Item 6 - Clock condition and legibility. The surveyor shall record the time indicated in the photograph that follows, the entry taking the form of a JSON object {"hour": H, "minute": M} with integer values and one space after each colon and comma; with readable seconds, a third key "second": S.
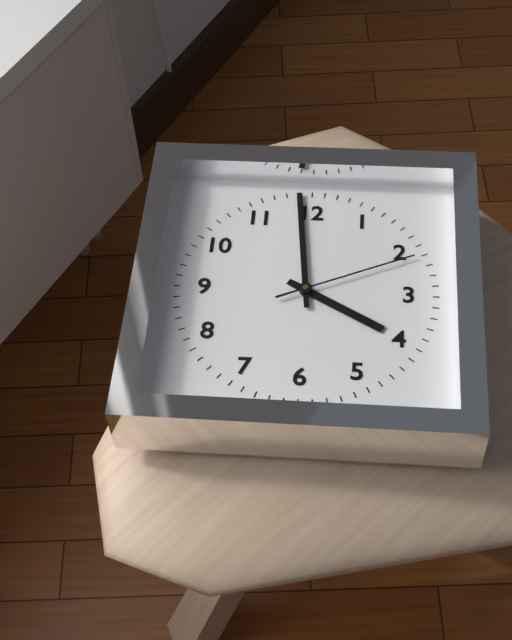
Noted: {"hour": 3, "minute": 59, "second": 11}
